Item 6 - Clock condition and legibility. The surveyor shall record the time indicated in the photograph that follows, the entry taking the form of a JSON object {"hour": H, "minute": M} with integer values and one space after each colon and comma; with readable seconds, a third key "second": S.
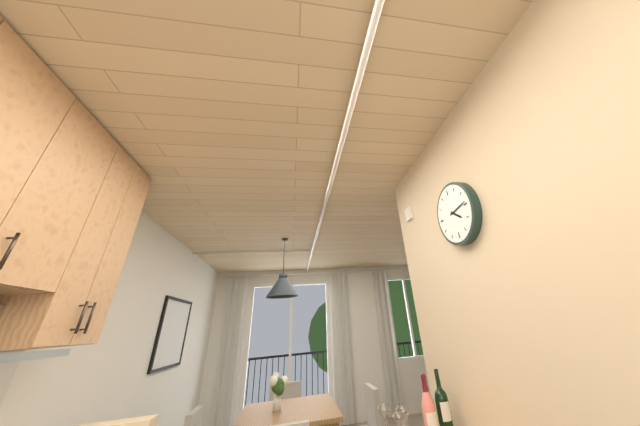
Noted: {"hour": 4, "minute": 14}
